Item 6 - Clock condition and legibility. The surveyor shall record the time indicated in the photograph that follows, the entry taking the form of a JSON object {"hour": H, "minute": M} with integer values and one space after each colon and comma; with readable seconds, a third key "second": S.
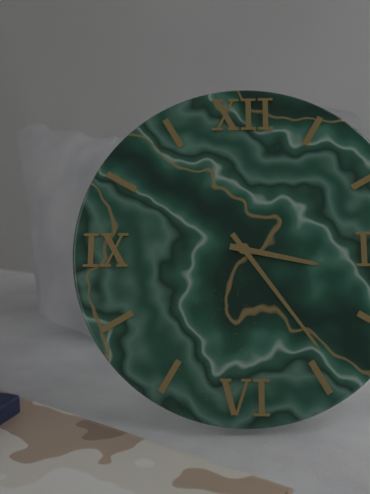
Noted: {"hour": 3, "minute": 24}
